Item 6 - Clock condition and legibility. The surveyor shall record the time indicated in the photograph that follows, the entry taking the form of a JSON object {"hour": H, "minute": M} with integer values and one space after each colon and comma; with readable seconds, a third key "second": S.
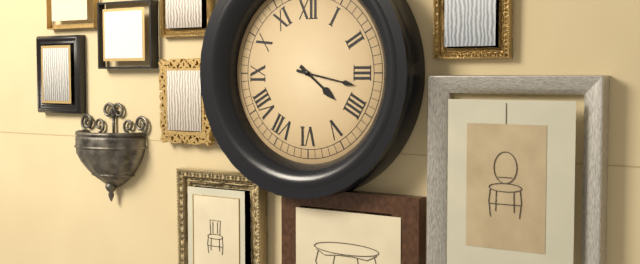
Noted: {"hour": 4, "minute": 17}
